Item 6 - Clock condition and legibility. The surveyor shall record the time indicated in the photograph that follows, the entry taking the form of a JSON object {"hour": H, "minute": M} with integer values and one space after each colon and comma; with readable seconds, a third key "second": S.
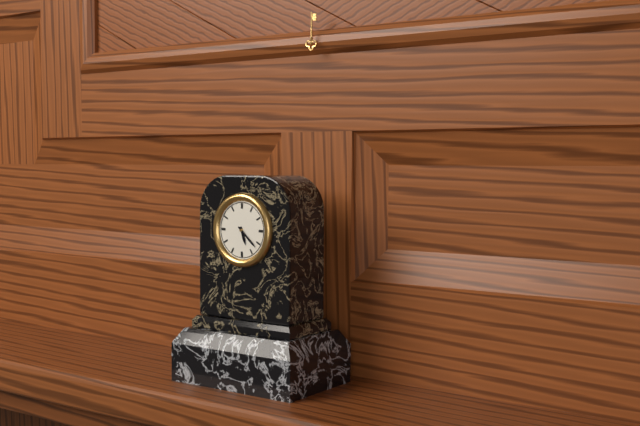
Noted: {"hour": 5, "minute": 22}
